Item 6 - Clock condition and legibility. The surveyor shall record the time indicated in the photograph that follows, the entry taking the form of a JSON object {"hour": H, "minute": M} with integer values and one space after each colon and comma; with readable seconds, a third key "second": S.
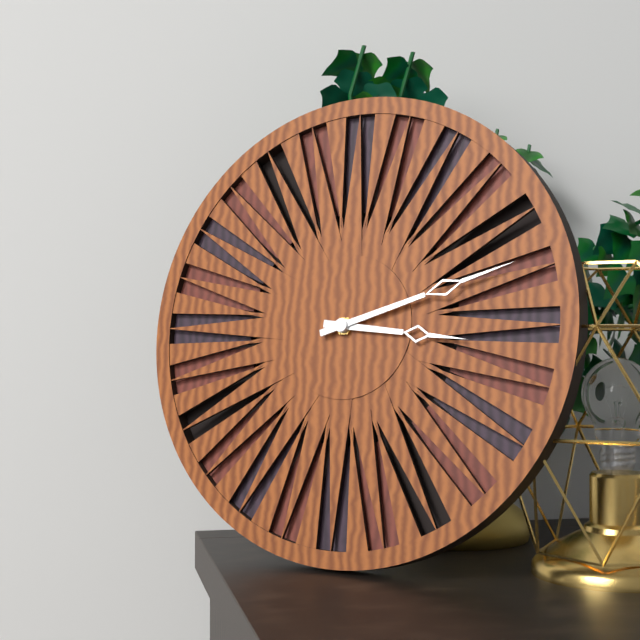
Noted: {"hour": 3, "minute": 12}
